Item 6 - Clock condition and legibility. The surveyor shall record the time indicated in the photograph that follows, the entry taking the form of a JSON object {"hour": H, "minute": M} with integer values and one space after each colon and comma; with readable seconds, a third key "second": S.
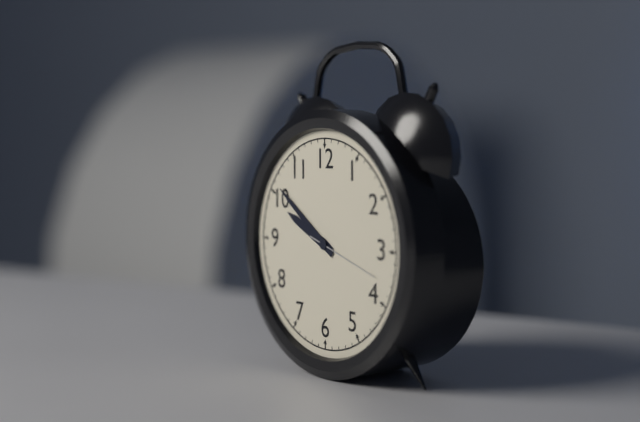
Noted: {"hour": 9, "minute": 51}
